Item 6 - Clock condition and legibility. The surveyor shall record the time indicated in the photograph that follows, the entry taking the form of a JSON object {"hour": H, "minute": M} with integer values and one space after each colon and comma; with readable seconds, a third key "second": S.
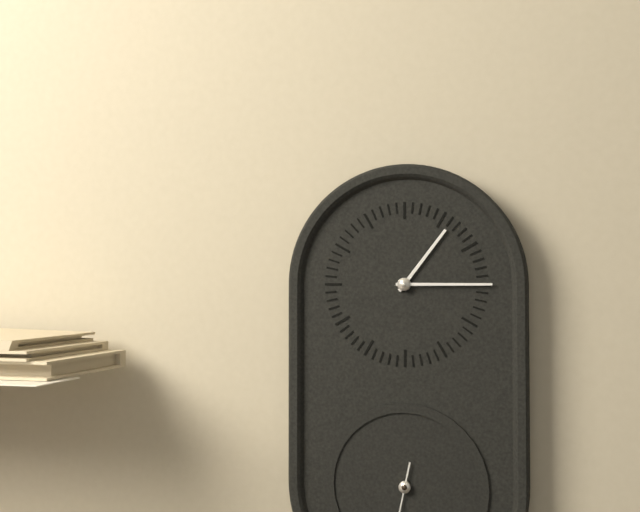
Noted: {"hour": 1, "minute": 15}
